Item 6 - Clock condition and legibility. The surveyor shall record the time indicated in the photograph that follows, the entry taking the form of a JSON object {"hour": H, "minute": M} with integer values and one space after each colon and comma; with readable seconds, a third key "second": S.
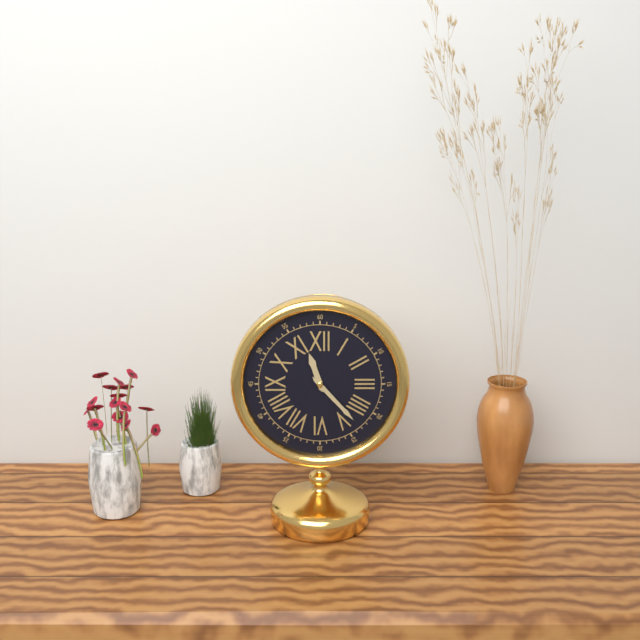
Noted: {"hour": 11, "minute": 23}
